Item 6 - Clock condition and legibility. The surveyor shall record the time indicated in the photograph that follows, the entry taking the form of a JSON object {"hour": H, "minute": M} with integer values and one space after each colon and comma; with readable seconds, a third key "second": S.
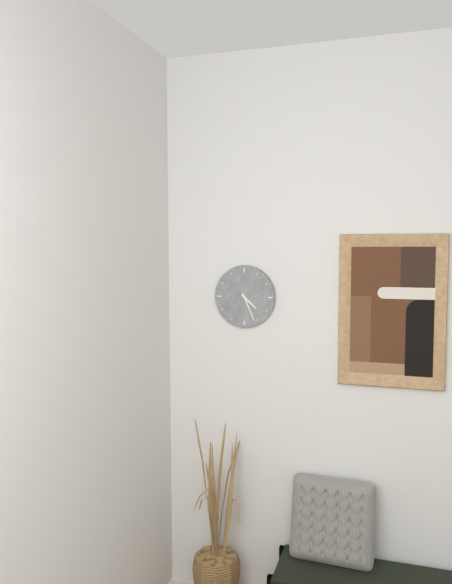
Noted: {"hour": 4, "minute": 26}
